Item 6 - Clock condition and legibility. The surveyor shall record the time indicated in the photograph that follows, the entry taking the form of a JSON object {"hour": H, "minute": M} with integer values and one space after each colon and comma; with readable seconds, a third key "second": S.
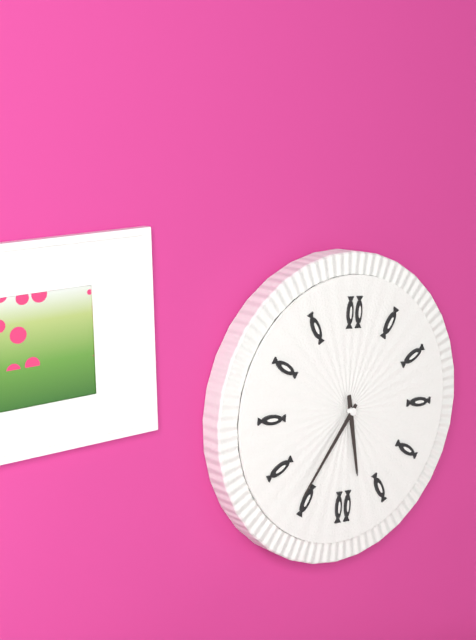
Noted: {"hour": 5, "minute": 36}
